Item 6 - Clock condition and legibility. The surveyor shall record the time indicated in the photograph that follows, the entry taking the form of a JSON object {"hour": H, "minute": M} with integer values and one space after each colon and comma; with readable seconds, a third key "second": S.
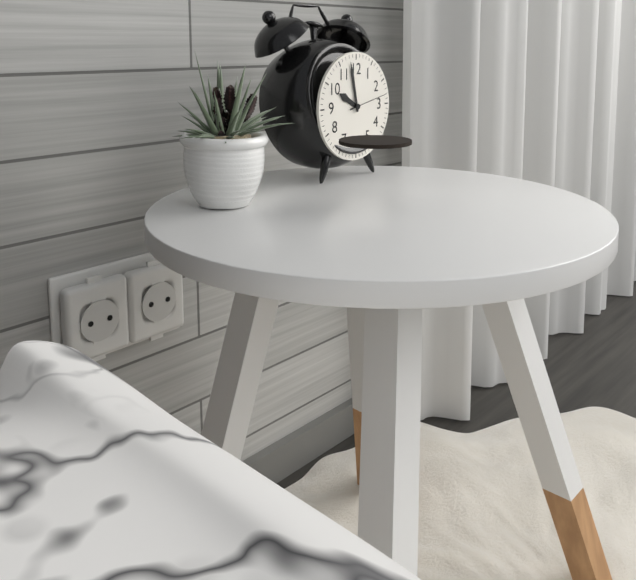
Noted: {"hour": 9, "minute": 58}
